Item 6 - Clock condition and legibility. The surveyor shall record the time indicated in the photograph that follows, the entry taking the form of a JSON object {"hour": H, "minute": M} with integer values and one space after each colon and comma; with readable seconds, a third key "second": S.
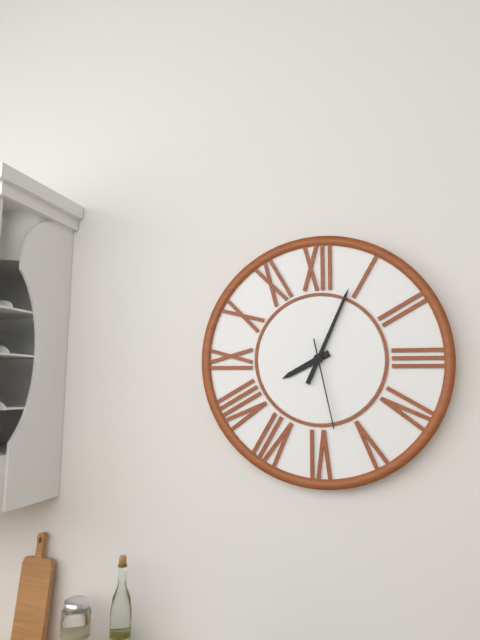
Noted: {"hour": 8, "minute": 4, "second": 28}
